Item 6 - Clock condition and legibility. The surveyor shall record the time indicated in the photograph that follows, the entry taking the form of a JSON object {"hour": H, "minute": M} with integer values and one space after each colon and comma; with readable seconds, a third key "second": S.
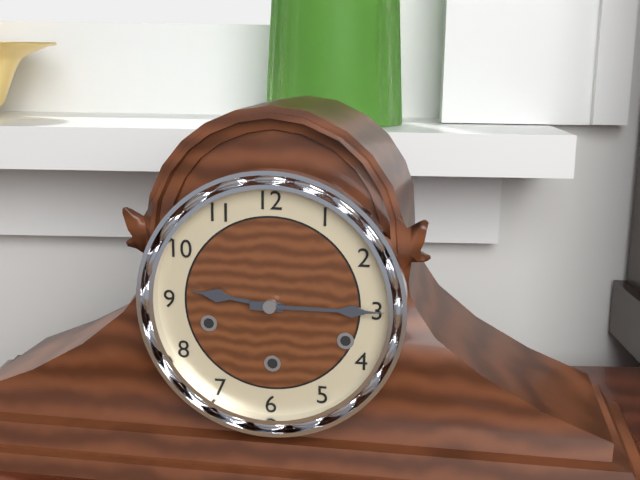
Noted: {"hour": 9, "minute": 15}
